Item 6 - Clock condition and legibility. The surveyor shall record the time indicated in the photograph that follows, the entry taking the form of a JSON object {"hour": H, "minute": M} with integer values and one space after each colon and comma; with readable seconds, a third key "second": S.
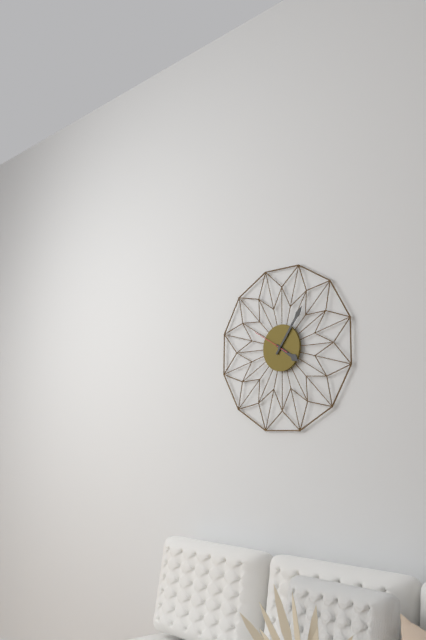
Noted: {"hour": 4, "minute": 6}
